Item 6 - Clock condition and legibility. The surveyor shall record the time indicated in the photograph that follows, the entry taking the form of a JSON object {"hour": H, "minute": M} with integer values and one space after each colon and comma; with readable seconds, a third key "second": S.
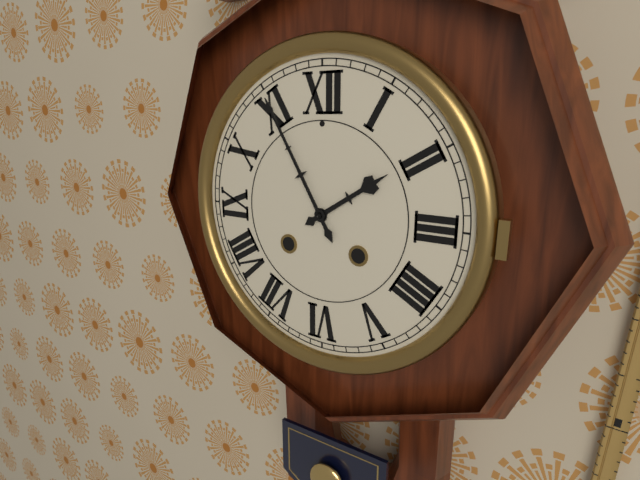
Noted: {"hour": 1, "minute": 55}
